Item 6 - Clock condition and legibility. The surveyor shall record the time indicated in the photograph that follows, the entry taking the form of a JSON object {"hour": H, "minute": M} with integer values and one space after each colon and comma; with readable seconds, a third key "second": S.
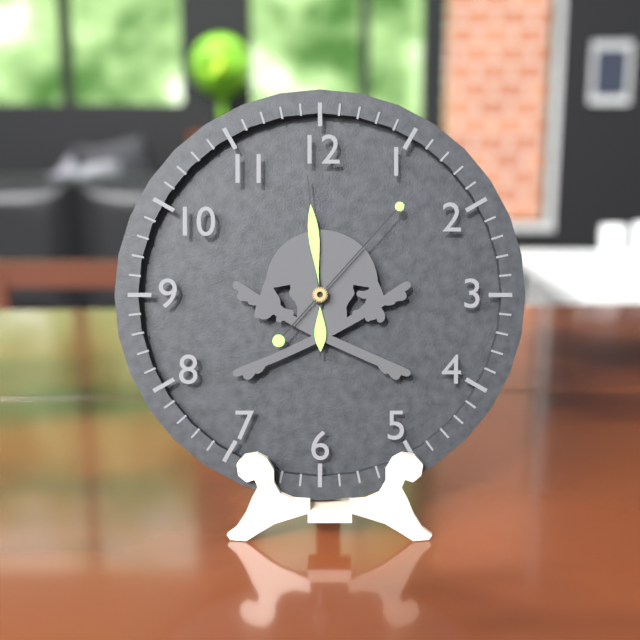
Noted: {"hour": 5, "minute": 59, "second": 7}
